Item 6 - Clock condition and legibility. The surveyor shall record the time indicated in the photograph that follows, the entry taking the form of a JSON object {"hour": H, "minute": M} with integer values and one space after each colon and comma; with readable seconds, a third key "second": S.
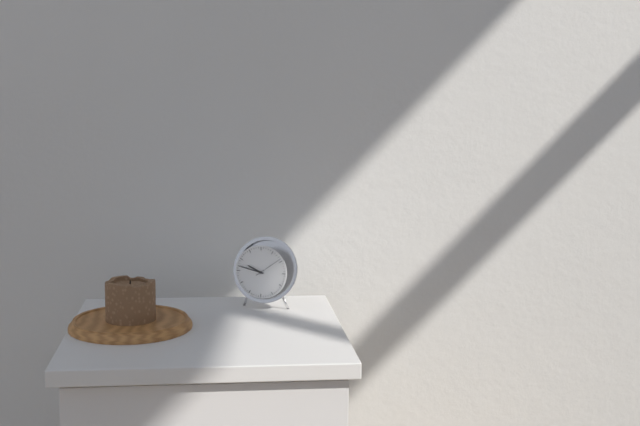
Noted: {"hour": 9, "minute": 47}
